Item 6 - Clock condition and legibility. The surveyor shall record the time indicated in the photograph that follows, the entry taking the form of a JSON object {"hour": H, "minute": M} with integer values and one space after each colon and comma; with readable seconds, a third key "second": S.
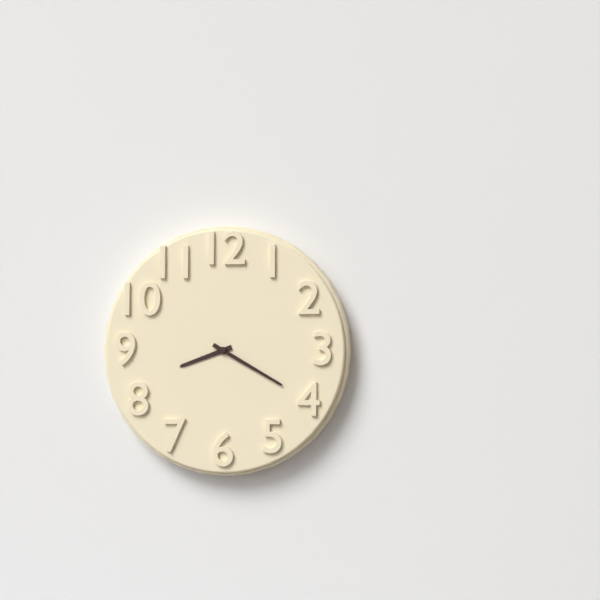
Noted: {"hour": 8, "minute": 20}
